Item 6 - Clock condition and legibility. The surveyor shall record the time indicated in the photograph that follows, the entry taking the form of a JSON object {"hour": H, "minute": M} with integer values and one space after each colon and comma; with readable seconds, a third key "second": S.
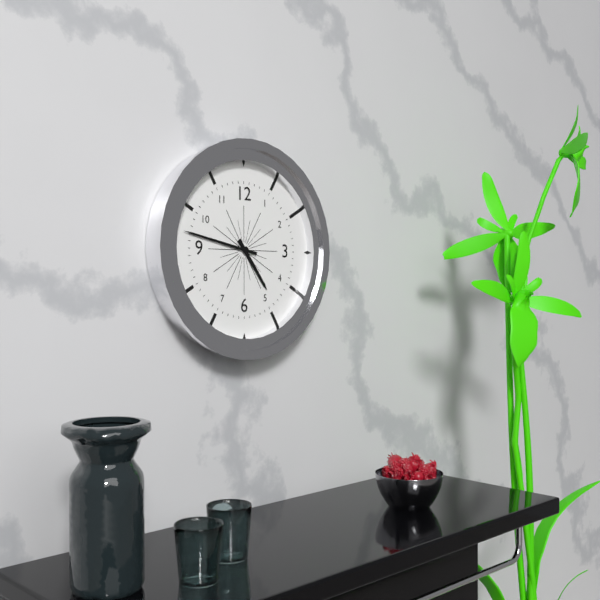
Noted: {"hour": 4, "minute": 47}
